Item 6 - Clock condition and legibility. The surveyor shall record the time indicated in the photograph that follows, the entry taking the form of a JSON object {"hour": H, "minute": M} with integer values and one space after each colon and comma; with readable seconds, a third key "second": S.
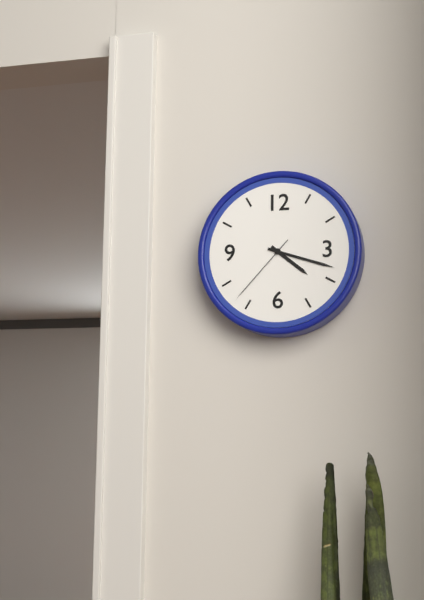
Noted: {"hour": 4, "minute": 18, "second": 37}
